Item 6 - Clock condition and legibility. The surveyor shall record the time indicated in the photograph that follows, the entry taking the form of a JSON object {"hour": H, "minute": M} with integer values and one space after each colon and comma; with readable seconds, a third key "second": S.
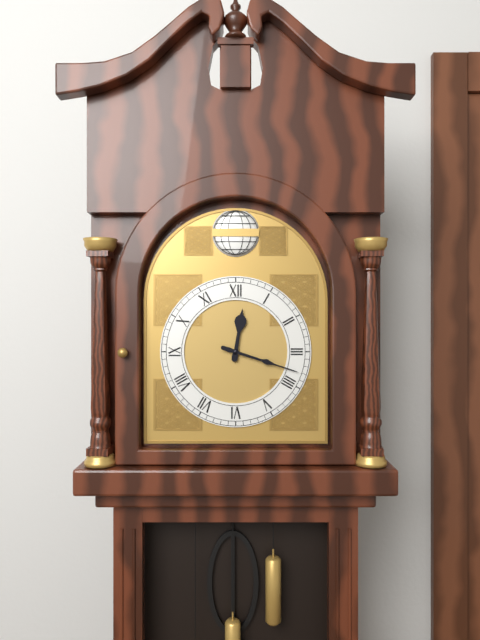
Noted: {"hour": 12, "minute": 18}
